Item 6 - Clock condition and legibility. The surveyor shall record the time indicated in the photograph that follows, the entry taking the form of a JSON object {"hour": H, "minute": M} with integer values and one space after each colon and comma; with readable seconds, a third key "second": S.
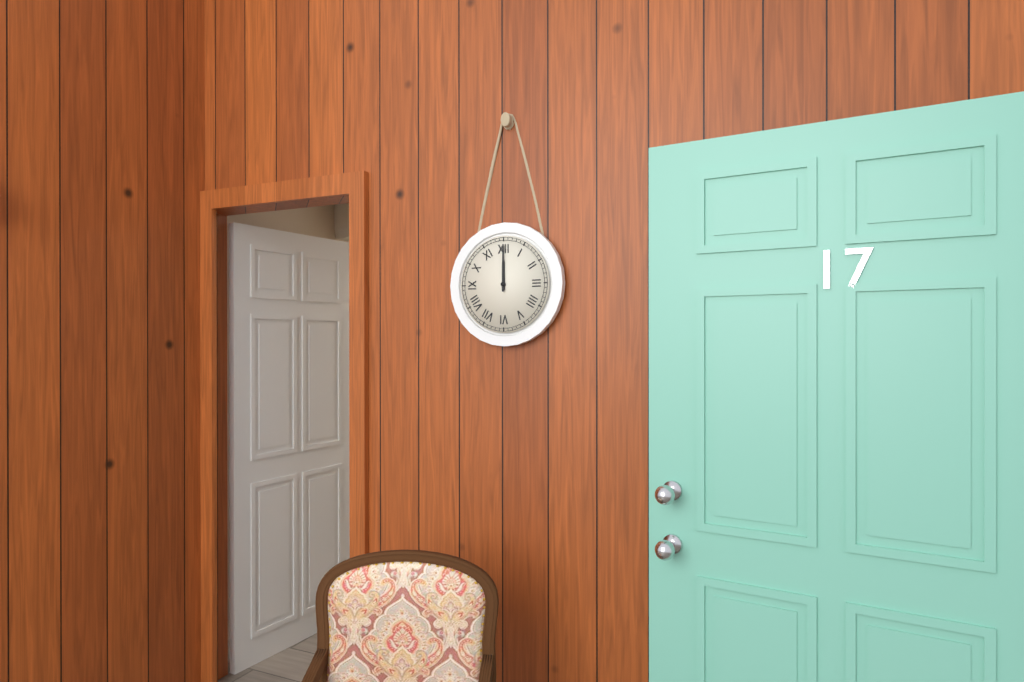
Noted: {"hour": 12, "minute": 0}
